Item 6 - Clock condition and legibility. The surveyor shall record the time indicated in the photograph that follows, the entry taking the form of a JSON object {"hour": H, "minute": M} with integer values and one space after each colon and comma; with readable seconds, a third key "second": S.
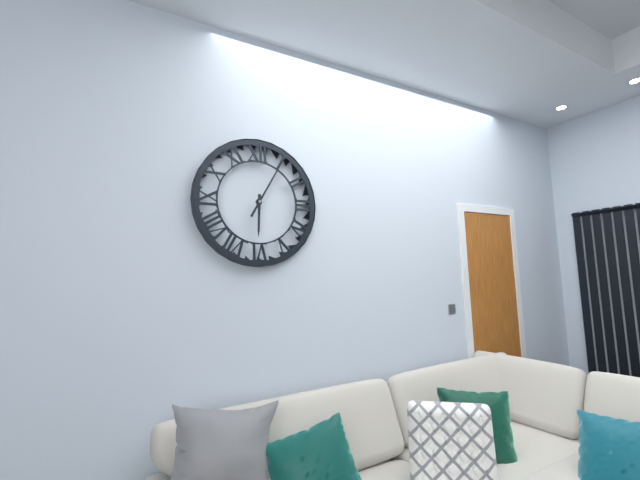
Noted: {"hour": 6, "minute": 5}
